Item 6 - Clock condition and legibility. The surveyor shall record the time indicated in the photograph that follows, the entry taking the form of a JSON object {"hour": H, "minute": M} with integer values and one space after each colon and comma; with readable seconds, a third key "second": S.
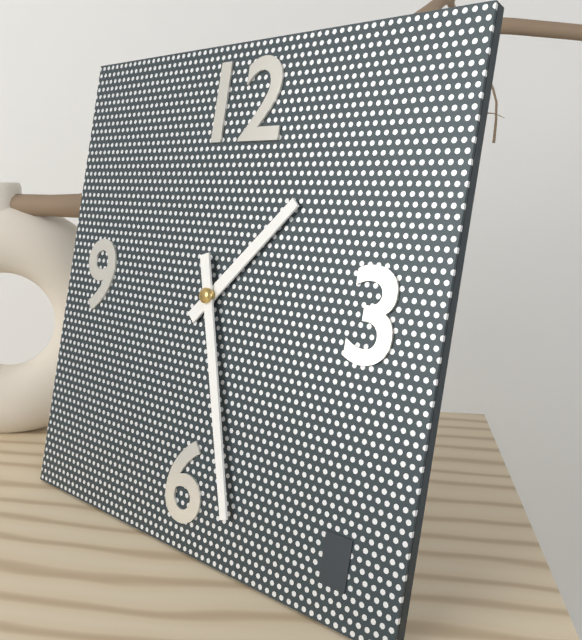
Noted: {"hour": 1, "minute": 27}
